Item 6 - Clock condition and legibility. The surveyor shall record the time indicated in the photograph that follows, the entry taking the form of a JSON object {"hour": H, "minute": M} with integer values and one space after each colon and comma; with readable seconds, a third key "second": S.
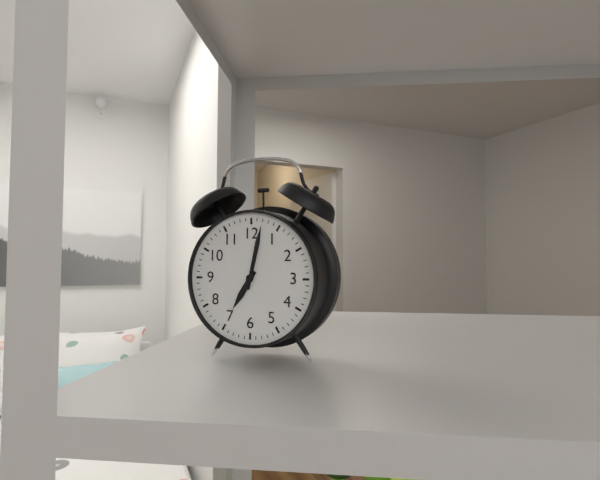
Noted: {"hour": 7, "minute": 2}
